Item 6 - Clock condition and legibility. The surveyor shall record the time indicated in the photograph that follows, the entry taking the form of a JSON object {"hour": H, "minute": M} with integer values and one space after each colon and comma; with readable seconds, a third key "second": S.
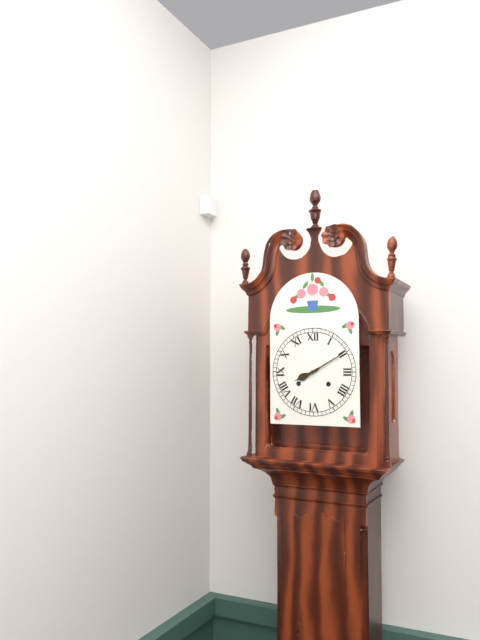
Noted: {"hour": 8, "minute": 10}
